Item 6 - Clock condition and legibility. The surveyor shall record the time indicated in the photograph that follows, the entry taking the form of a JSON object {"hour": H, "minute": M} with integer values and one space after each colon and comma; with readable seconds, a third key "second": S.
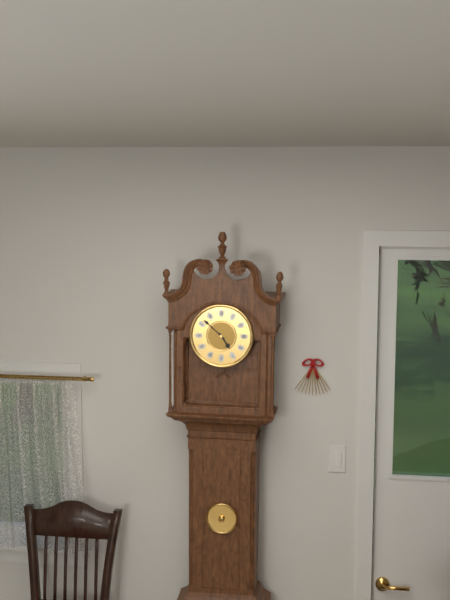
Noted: {"hour": 4, "minute": 52}
